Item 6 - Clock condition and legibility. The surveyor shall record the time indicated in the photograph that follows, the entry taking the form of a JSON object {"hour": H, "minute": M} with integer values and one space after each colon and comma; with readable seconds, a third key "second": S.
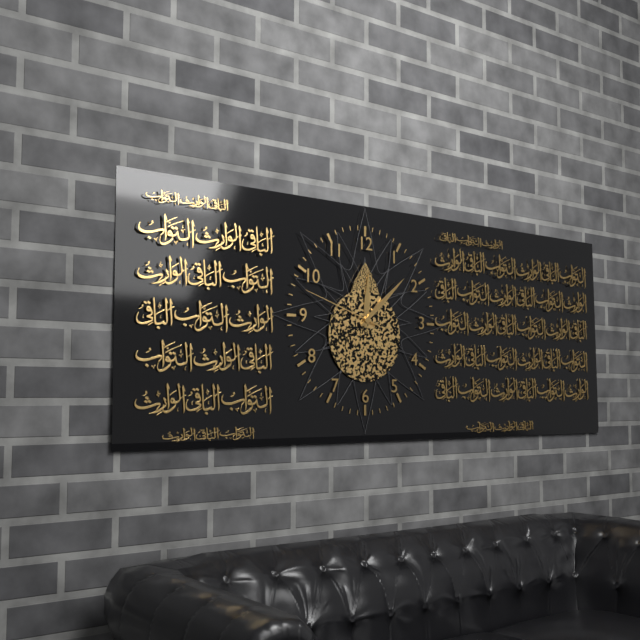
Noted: {"hour": 12, "minute": 8, "second": 48}
